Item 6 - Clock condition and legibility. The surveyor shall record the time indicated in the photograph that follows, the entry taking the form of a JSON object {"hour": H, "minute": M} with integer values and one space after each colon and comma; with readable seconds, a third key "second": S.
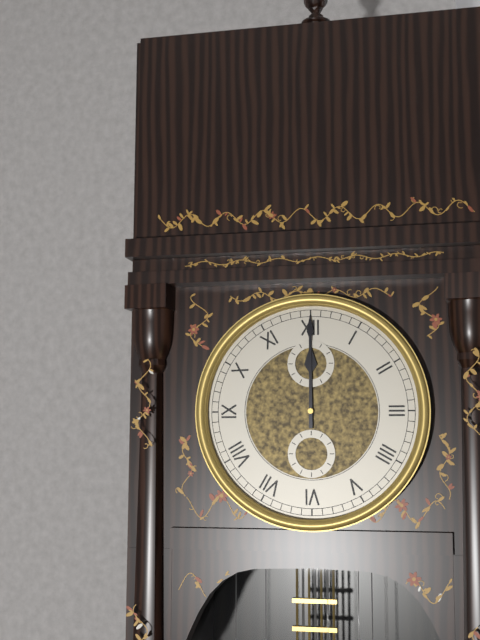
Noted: {"hour": 12, "minute": 0}
